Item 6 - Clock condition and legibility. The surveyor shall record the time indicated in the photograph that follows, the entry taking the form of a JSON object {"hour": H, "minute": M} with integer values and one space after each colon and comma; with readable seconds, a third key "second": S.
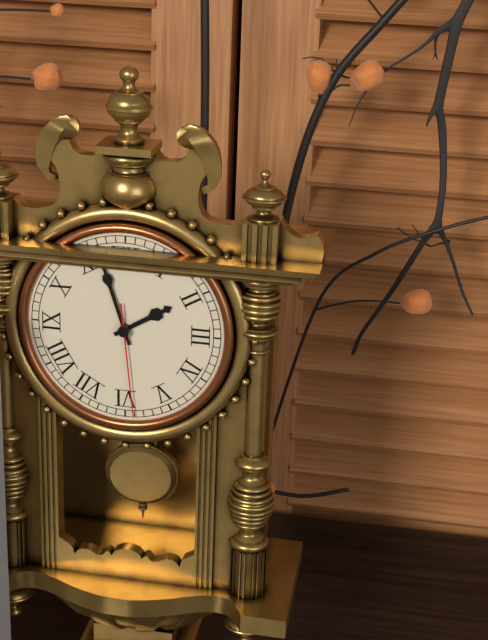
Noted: {"hour": 1, "minute": 57, "second": 29}
